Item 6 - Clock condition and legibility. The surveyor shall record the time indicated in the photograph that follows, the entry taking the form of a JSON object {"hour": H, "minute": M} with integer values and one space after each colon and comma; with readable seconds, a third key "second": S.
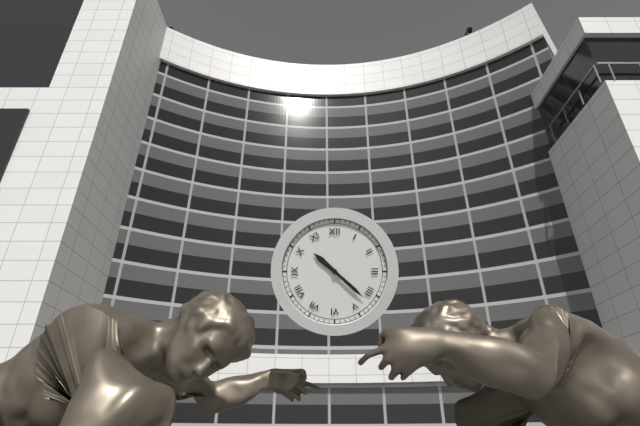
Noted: {"hour": 10, "minute": 22}
